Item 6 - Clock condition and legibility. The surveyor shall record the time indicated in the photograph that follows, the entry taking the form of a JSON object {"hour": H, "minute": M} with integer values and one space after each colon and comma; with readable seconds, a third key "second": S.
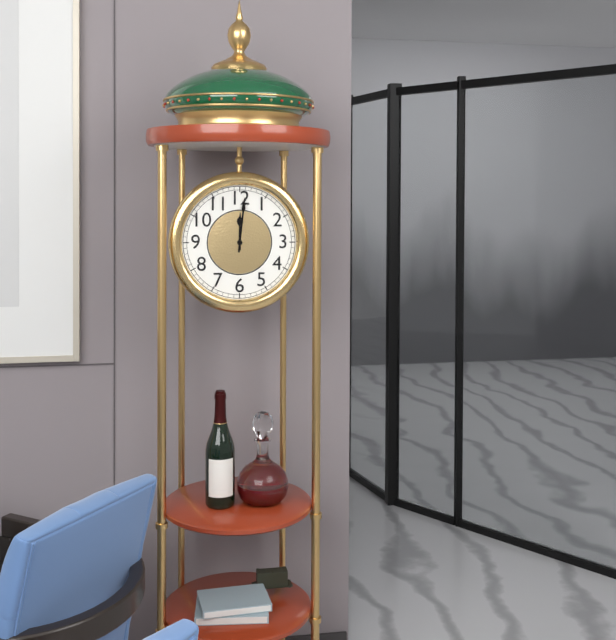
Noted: {"hour": 12, "minute": 1}
